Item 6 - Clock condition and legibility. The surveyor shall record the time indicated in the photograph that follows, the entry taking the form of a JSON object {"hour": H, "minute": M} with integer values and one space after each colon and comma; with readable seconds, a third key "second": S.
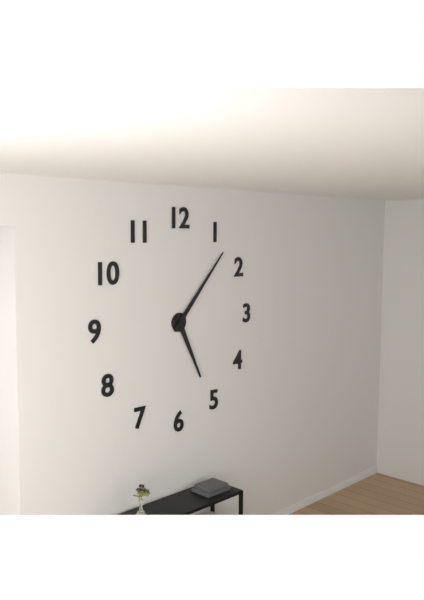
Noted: {"hour": 5, "minute": 7}
